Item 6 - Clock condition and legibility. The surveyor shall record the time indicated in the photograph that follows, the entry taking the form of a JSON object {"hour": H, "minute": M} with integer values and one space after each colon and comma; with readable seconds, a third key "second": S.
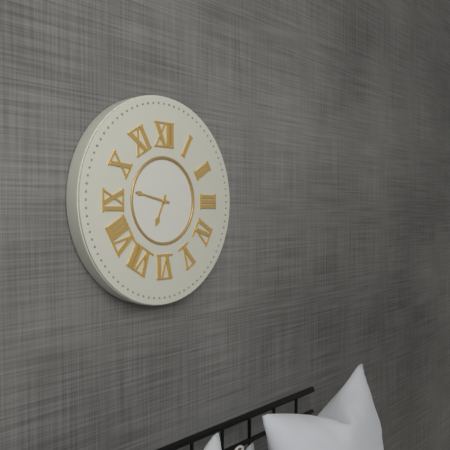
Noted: {"hour": 6, "minute": 47}
